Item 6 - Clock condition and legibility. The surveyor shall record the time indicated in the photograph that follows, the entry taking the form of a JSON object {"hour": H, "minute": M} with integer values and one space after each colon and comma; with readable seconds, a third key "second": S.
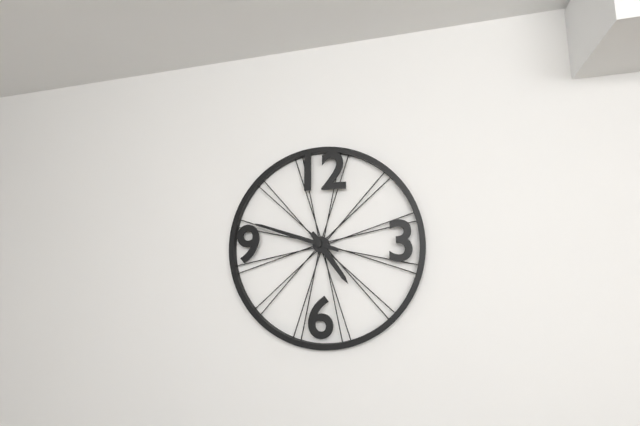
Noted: {"hour": 4, "minute": 48}
